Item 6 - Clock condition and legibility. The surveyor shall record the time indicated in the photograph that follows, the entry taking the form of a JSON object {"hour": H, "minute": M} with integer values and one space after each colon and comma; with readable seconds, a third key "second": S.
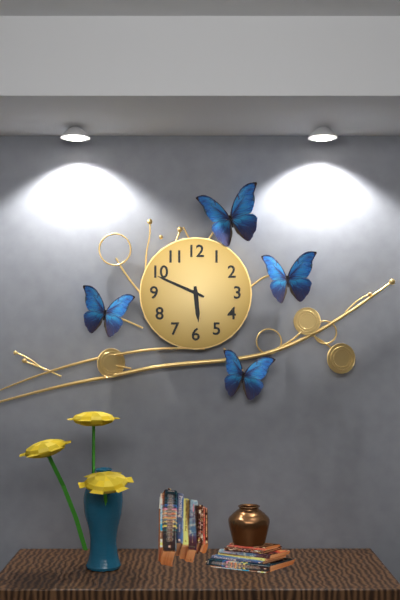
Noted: {"hour": 5, "minute": 49}
